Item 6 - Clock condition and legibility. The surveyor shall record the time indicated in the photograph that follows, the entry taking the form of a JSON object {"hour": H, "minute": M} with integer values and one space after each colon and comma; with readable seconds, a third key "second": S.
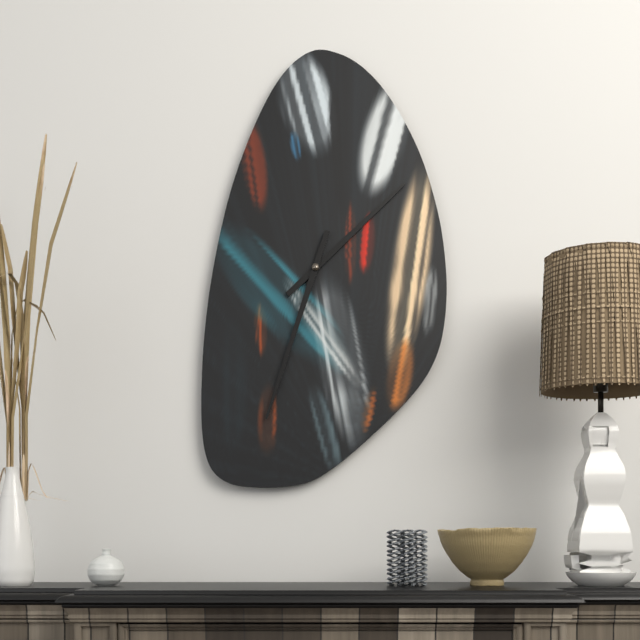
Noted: {"hour": 1, "minute": 33}
